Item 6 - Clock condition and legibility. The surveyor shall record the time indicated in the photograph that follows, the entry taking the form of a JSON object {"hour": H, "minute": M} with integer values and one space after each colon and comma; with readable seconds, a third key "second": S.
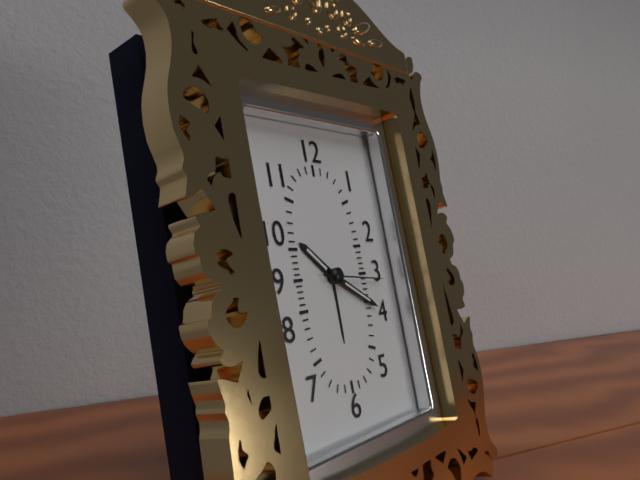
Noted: {"hour": 10, "minute": 20, "second": 16}
